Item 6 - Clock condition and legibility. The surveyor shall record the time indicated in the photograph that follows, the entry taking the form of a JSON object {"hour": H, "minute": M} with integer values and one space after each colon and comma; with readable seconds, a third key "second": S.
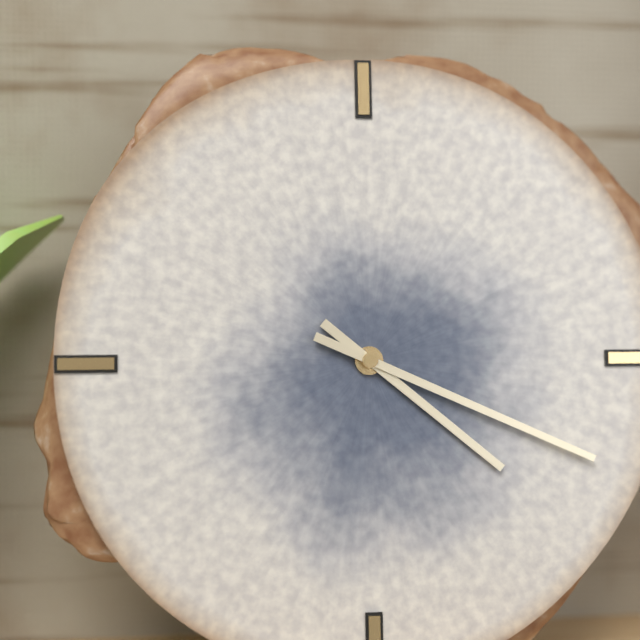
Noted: {"hour": 4, "minute": 19}
